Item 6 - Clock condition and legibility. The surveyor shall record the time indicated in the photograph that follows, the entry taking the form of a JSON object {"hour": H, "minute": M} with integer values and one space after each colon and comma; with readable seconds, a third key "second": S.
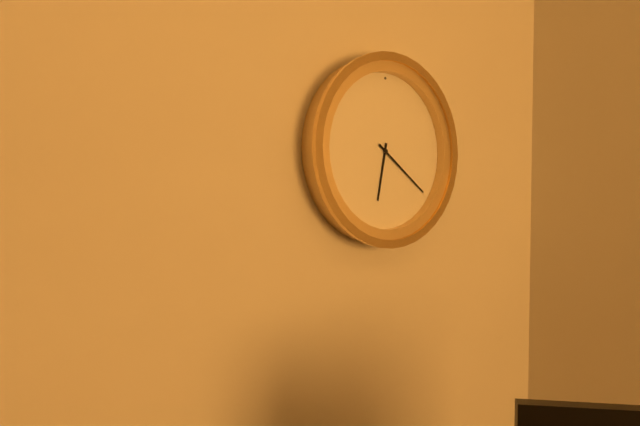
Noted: {"hour": 6, "minute": 21}
